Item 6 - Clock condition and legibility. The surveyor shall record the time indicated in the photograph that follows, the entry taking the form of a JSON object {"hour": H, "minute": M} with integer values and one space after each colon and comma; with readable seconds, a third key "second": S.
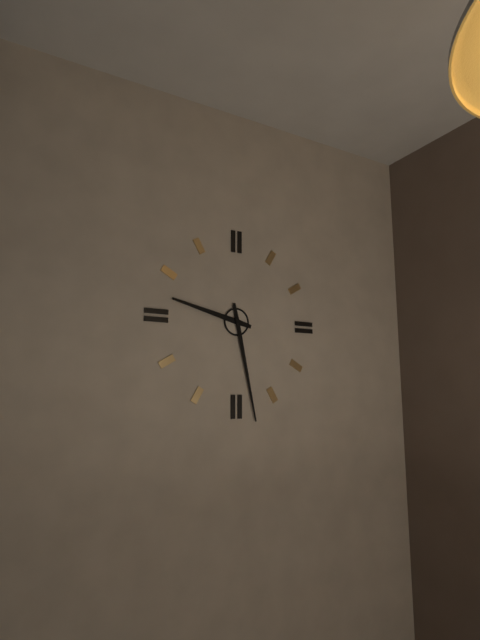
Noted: {"hour": 9, "minute": 28}
